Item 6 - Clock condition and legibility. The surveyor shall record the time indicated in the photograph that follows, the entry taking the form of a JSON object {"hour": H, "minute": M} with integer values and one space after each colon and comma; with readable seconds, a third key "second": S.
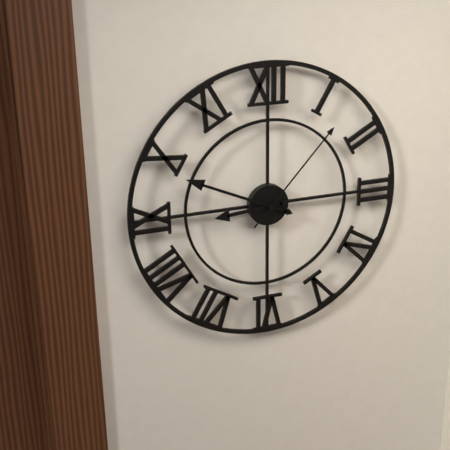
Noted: {"hour": 8, "minute": 49, "second": 7}
